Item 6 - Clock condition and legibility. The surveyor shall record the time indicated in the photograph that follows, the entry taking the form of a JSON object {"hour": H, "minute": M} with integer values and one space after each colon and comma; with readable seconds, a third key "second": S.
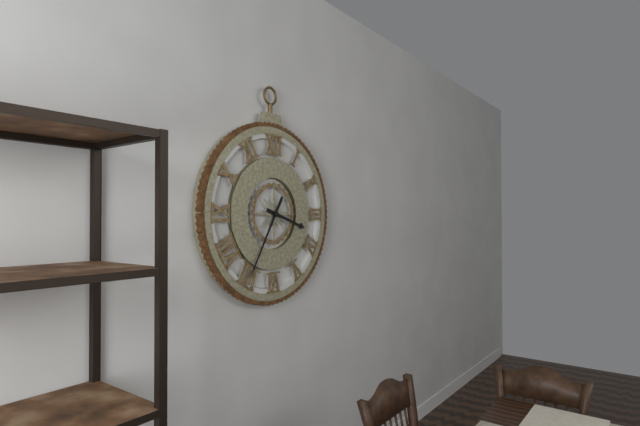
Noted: {"hour": 3, "minute": 35}
